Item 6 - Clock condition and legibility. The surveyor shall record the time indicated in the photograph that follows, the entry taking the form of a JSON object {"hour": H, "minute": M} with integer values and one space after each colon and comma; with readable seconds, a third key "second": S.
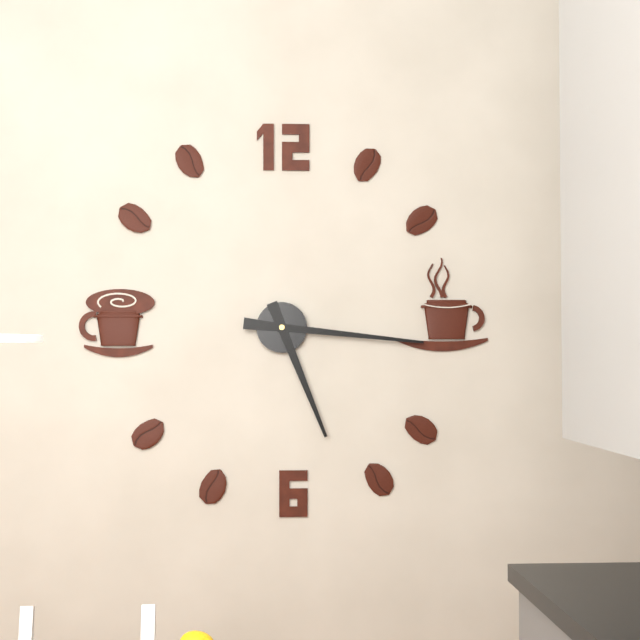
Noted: {"hour": 5, "minute": 16}
